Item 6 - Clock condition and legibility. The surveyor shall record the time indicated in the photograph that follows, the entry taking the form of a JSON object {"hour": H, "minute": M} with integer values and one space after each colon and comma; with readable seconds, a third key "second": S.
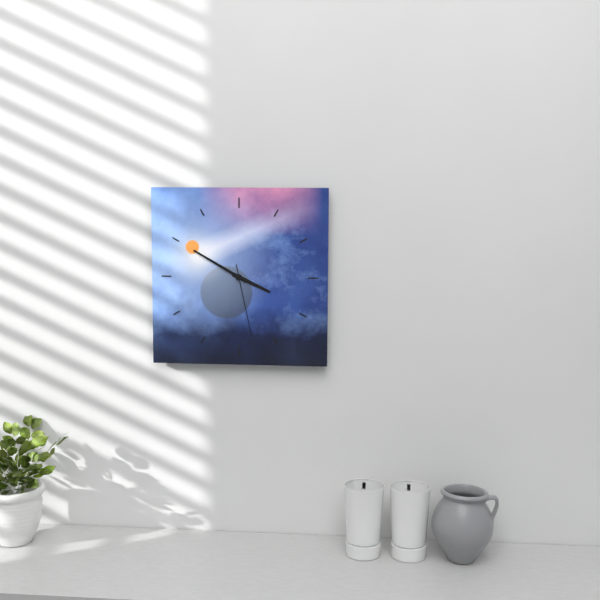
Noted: {"hour": 3, "minute": 50, "second": 28}
